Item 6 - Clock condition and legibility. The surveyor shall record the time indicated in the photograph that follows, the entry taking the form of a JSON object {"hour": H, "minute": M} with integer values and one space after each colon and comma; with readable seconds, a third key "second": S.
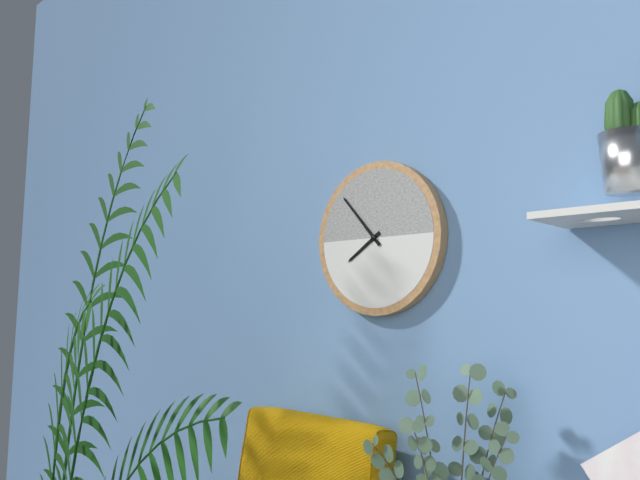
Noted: {"hour": 7, "minute": 53}
